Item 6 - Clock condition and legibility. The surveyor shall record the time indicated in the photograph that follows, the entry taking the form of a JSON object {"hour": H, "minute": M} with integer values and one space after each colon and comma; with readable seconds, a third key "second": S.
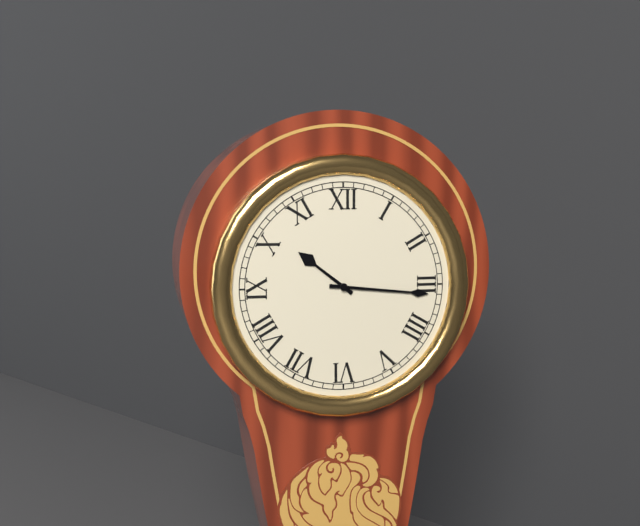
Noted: {"hour": 10, "minute": 16}
